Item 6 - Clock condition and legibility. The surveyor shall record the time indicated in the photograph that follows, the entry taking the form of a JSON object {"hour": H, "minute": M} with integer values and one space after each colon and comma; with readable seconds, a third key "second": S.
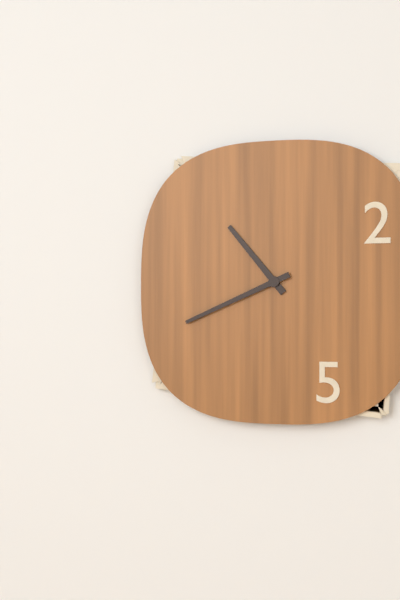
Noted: {"hour": 10, "minute": 41}
